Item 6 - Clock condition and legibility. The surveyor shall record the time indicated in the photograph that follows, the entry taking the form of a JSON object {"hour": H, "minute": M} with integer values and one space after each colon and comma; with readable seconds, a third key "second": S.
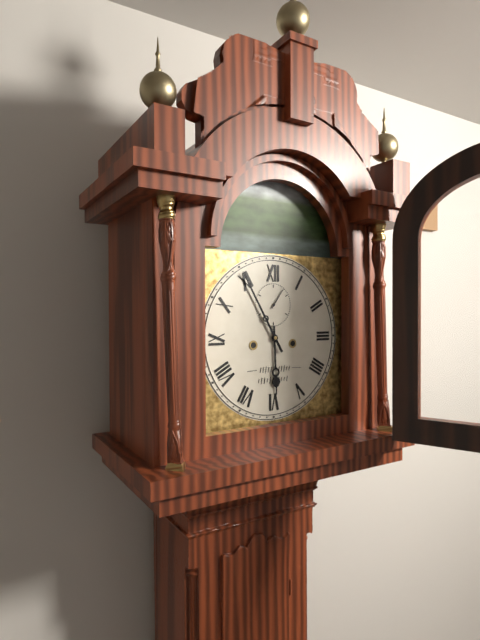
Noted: {"hour": 5, "minute": 55}
